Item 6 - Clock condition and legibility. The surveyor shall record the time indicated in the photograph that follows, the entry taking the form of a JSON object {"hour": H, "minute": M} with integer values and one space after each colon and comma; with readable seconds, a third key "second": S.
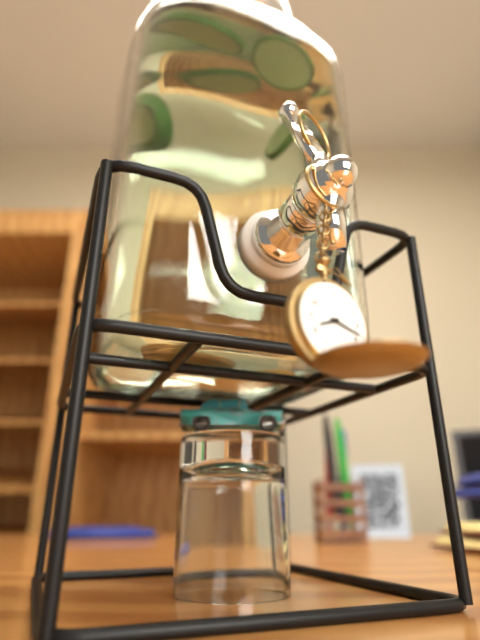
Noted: {"hour": 8, "minute": 18}
